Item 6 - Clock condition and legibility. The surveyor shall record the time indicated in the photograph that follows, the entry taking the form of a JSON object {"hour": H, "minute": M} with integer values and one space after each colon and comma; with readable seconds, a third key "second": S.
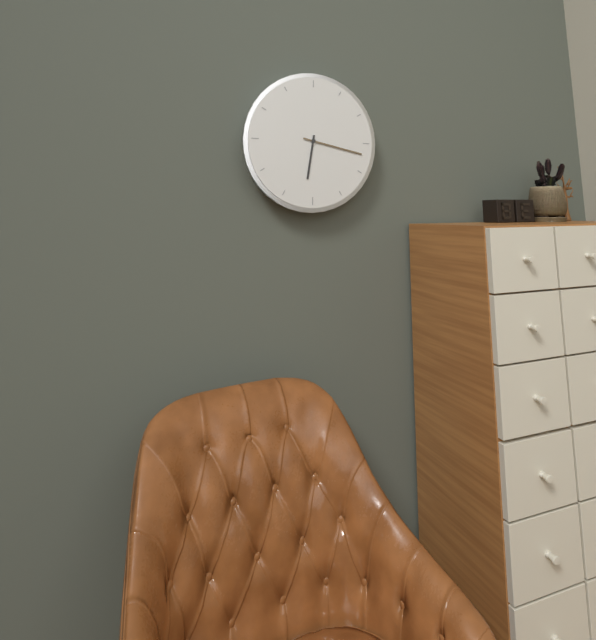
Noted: {"hour": 6, "minute": 17}
